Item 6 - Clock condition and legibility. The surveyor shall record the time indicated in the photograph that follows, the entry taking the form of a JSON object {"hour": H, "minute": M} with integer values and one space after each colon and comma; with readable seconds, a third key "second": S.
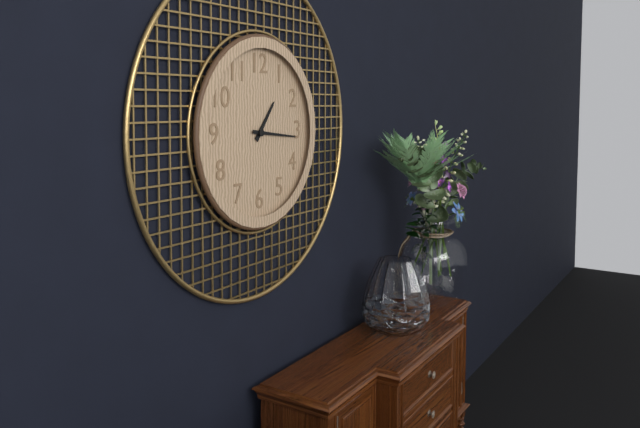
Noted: {"hour": 1, "minute": 16}
